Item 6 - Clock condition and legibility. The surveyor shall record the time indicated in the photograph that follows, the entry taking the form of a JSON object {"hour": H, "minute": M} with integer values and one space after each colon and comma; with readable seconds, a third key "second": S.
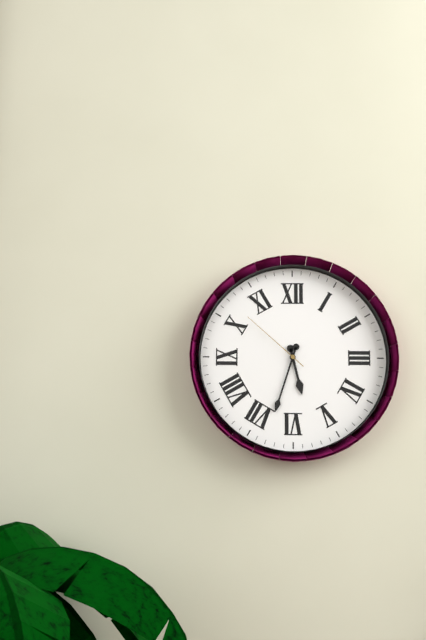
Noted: {"hour": 5, "minute": 33, "second": 52}
